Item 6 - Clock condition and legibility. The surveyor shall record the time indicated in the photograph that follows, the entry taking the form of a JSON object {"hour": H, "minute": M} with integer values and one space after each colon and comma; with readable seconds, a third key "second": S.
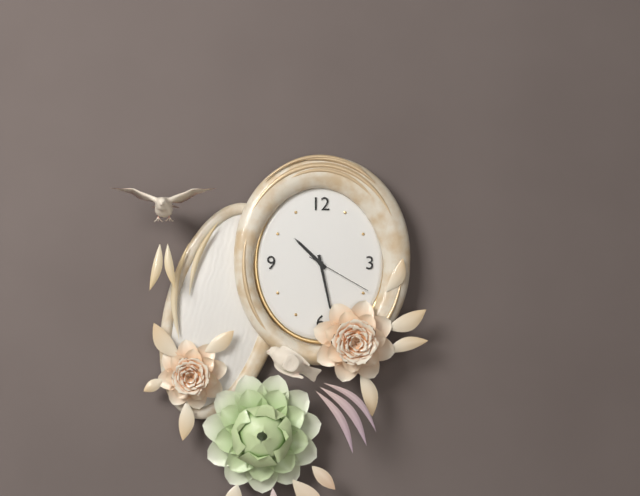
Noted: {"hour": 10, "minute": 28, "second": 20}
